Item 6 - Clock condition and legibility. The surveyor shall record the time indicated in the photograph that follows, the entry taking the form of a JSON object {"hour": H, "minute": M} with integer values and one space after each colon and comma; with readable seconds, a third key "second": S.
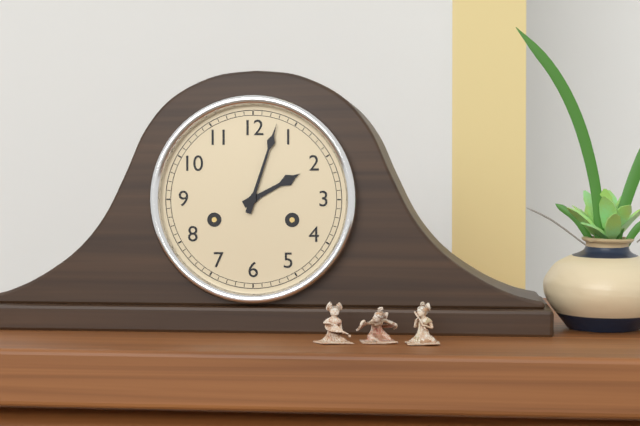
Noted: {"hour": 2, "minute": 3}
